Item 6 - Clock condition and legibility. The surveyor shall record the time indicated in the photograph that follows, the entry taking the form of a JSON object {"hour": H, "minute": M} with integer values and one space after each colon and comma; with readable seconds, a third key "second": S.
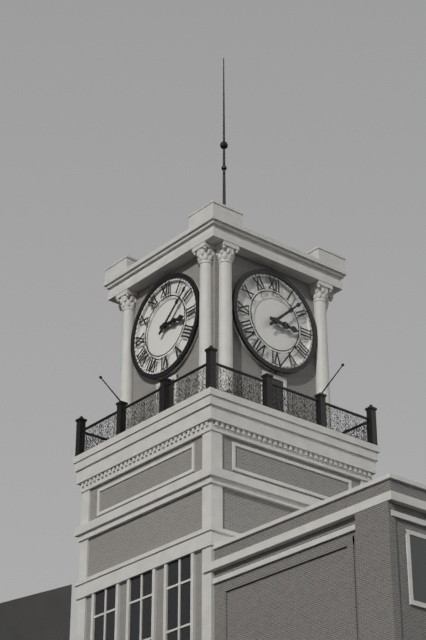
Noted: {"hour": 3, "minute": 8}
